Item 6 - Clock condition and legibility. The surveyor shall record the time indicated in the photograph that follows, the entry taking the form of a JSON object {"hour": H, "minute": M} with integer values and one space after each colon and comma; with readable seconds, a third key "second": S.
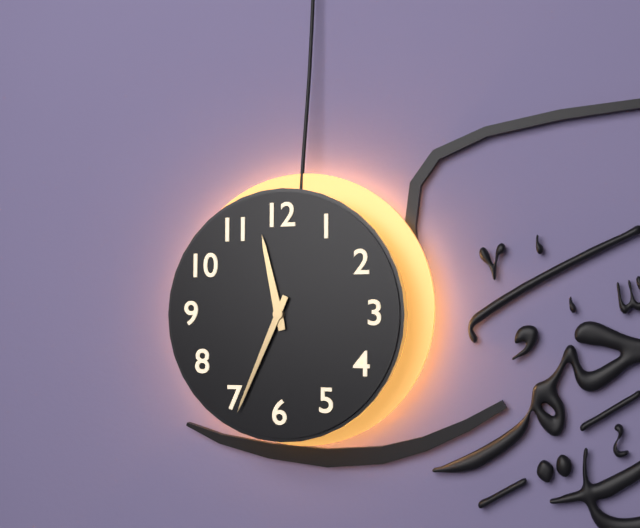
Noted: {"hour": 11, "minute": 34}
